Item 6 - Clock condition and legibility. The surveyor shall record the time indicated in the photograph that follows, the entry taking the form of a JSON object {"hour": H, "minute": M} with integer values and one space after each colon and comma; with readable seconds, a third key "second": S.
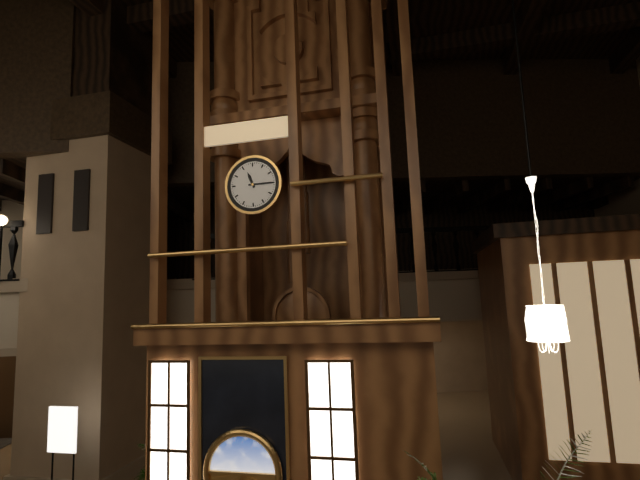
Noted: {"hour": 11, "minute": 15}
